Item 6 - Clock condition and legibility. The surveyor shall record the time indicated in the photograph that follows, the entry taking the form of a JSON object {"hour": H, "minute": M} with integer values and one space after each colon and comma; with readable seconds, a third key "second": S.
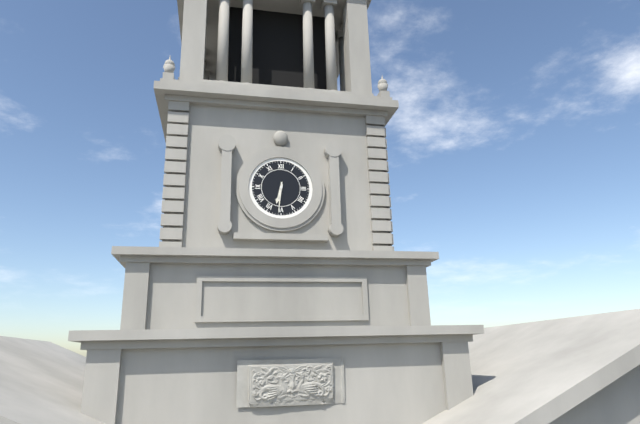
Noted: {"hour": 6, "minute": 31}
